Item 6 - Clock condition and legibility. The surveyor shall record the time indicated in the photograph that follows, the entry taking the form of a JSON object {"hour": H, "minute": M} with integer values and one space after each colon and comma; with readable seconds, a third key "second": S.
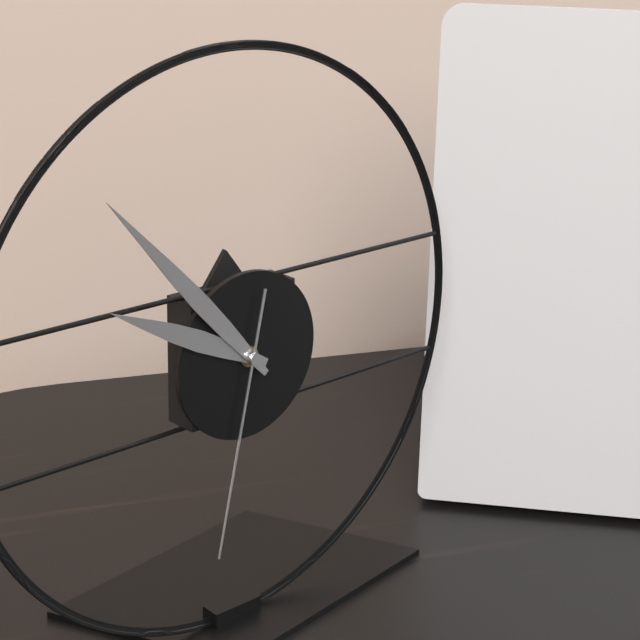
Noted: {"hour": 9, "minute": 53, "second": 32}
